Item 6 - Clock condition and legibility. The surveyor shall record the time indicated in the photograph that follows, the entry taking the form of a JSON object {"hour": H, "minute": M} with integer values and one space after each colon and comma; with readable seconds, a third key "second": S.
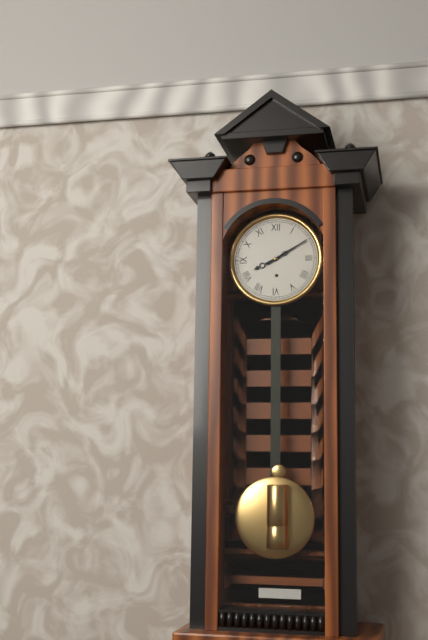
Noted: {"hour": 8, "minute": 10}
